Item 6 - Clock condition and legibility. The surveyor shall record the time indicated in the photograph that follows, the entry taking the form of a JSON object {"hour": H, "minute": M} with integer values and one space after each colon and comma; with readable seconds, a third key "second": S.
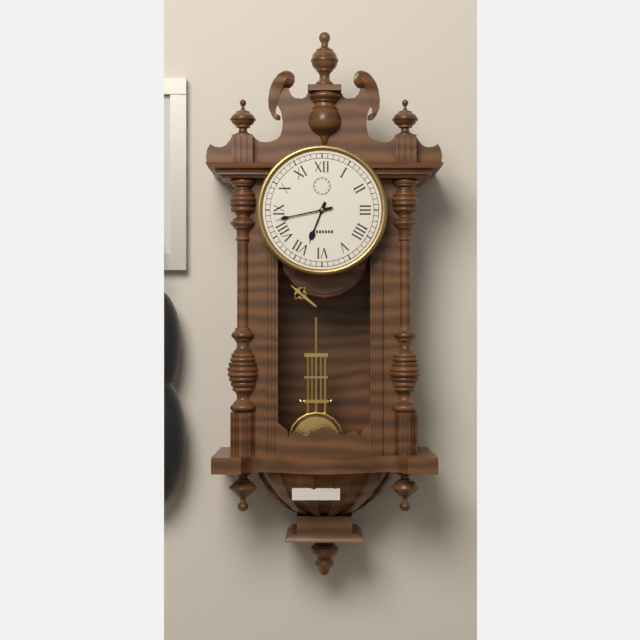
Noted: {"hour": 6, "minute": 43}
